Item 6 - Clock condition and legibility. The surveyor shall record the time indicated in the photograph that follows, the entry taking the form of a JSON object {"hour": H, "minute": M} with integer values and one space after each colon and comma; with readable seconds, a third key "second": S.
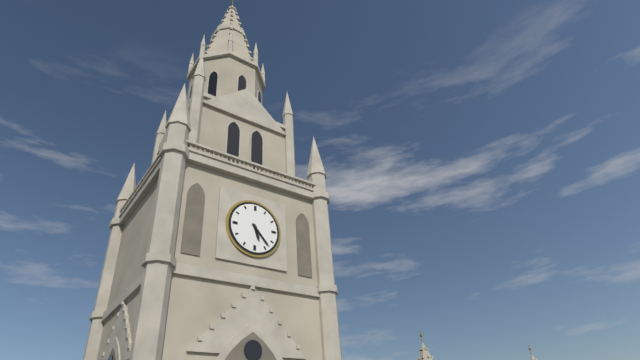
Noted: {"hour": 5, "minute": 23}
